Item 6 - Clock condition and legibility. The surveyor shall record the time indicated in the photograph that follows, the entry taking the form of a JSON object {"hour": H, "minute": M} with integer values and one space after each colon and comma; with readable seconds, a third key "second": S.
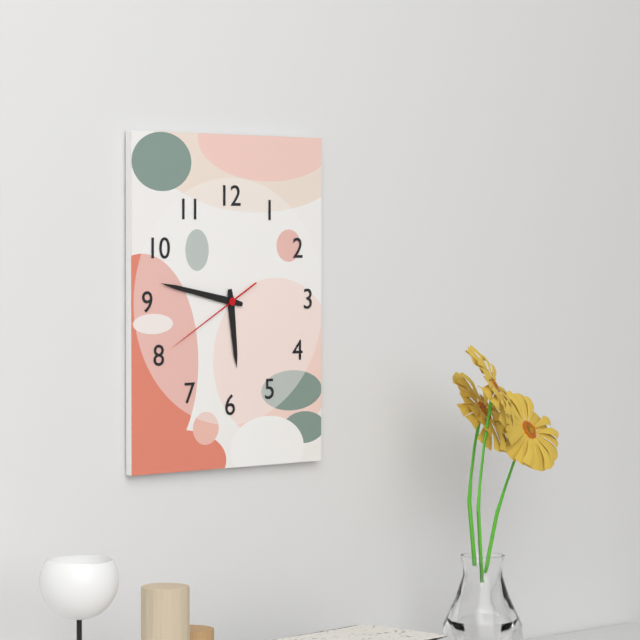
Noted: {"hour": 5, "minute": 47, "second": 40}
